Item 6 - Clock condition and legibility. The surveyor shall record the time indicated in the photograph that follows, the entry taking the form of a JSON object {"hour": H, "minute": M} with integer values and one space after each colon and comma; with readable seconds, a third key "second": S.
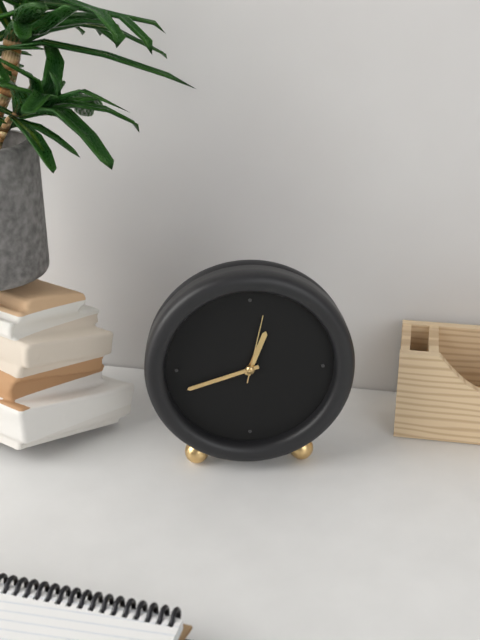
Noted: {"hour": 12, "minute": 42, "second": 2}
